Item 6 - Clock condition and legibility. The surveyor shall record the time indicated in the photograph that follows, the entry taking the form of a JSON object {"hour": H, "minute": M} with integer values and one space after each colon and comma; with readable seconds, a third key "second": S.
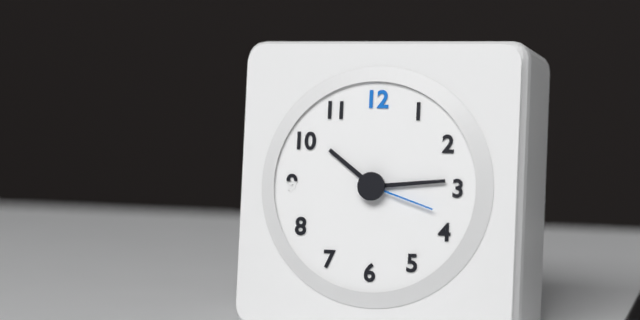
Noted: {"hour": 10, "minute": 14, "second": 18}
